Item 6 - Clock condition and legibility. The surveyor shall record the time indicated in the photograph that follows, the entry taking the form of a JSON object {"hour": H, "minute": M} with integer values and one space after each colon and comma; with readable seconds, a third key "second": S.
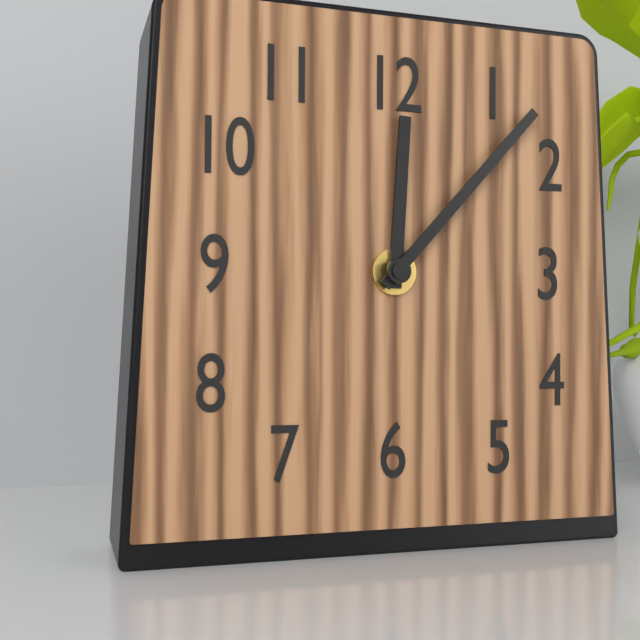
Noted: {"hour": 12, "minute": 7}
